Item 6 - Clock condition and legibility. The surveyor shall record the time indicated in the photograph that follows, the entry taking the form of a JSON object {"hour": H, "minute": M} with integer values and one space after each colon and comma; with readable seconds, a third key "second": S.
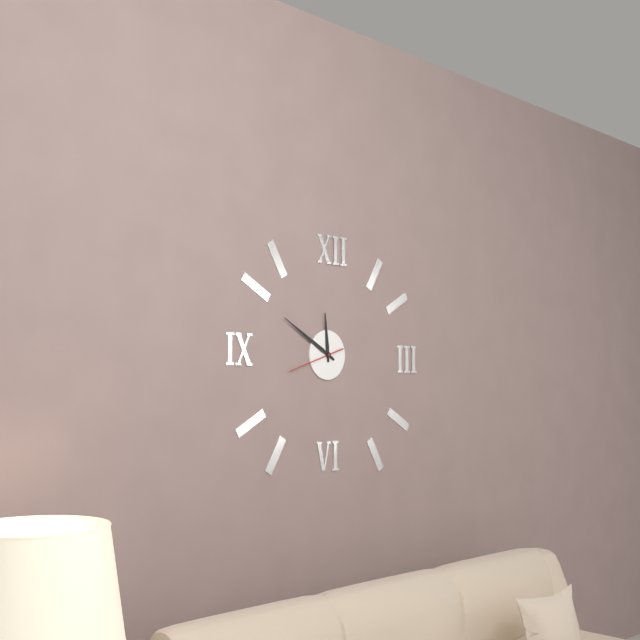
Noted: {"hour": 11, "minute": 50, "second": 42}
